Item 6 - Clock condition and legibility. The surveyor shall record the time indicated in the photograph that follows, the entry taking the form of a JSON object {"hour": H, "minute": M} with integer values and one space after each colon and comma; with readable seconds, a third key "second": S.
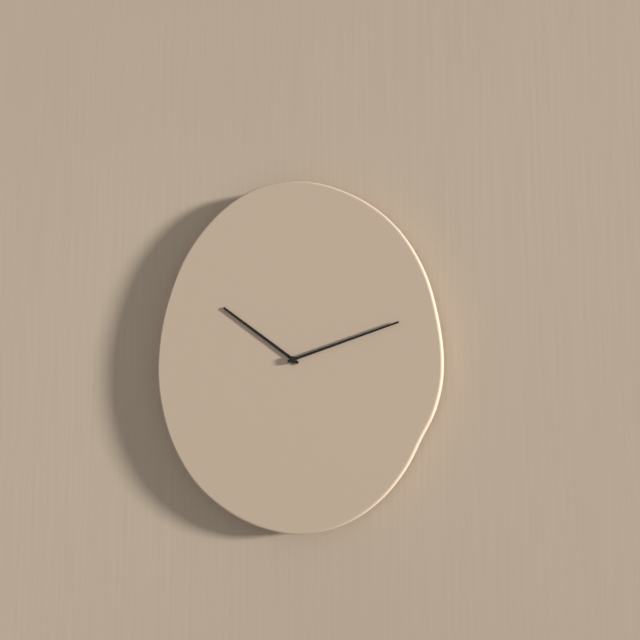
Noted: {"hour": 10, "minute": 12}
